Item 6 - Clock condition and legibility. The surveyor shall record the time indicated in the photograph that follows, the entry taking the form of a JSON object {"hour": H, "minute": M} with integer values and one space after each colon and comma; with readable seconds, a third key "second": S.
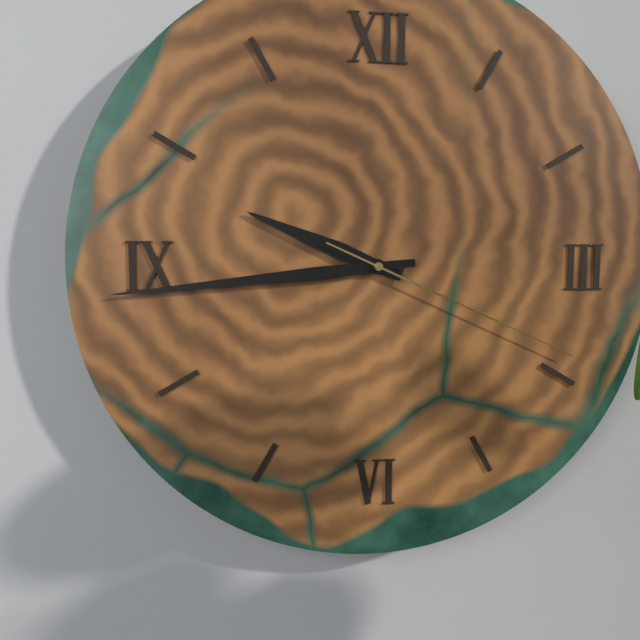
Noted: {"hour": 9, "minute": 44, "second": 19}
